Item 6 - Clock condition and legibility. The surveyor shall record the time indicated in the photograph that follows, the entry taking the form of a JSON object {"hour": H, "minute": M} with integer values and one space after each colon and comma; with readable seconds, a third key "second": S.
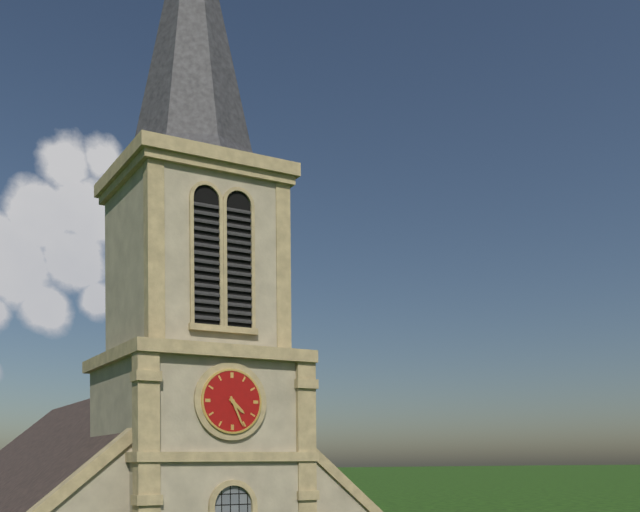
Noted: {"hour": 4, "minute": 26}
